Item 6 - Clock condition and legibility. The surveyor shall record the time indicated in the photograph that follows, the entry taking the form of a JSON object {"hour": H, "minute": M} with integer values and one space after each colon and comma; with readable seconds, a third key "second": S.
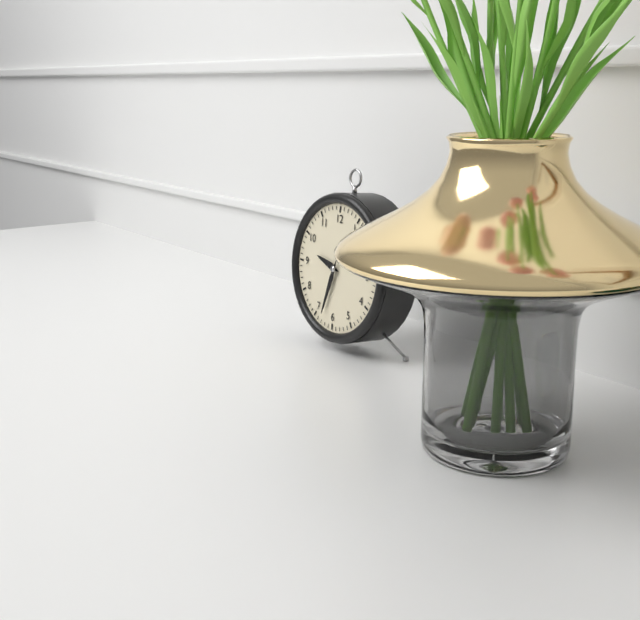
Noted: {"hour": 9, "minute": 33}
